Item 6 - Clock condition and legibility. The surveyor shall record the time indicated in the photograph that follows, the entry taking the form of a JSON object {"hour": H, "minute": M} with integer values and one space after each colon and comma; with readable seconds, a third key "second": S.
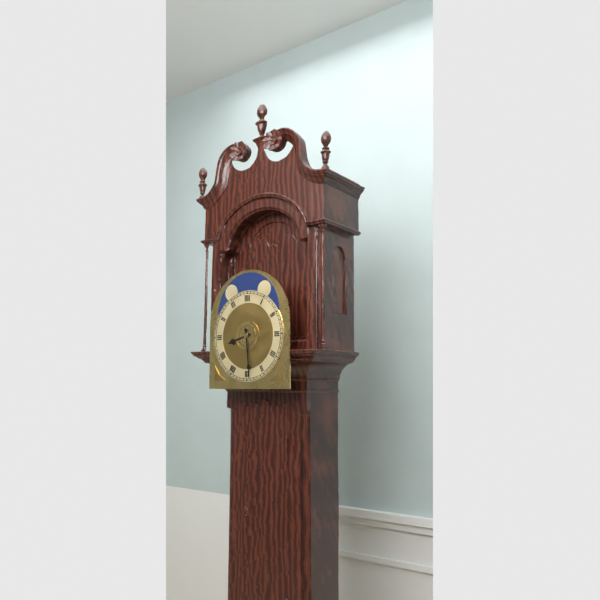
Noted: {"hour": 8, "minute": 29}
